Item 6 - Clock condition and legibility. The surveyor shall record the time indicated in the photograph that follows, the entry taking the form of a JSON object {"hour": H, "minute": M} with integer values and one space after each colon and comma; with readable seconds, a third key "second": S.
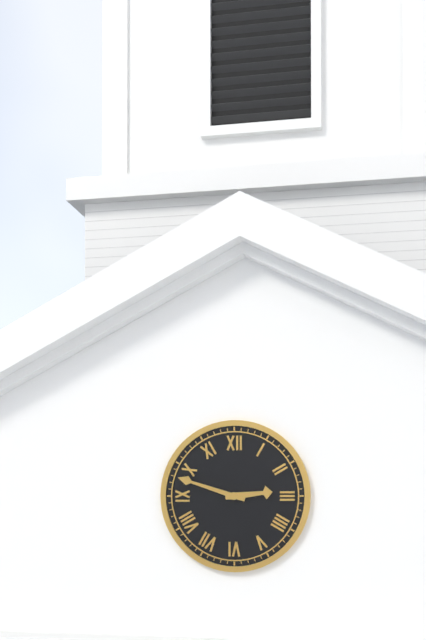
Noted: {"hour": 2, "minute": 48}
